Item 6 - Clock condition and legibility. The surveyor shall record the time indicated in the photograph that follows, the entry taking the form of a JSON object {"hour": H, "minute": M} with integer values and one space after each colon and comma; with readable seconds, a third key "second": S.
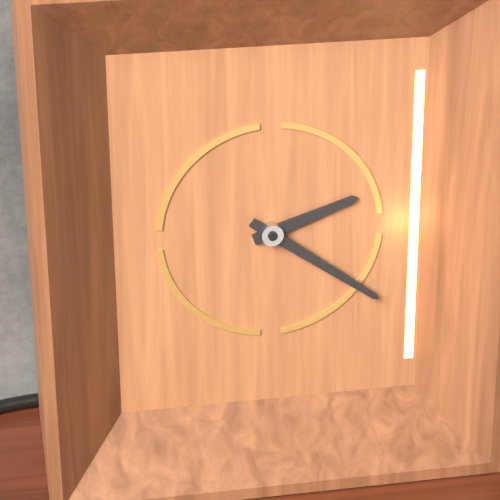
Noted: {"hour": 2, "minute": 21}
